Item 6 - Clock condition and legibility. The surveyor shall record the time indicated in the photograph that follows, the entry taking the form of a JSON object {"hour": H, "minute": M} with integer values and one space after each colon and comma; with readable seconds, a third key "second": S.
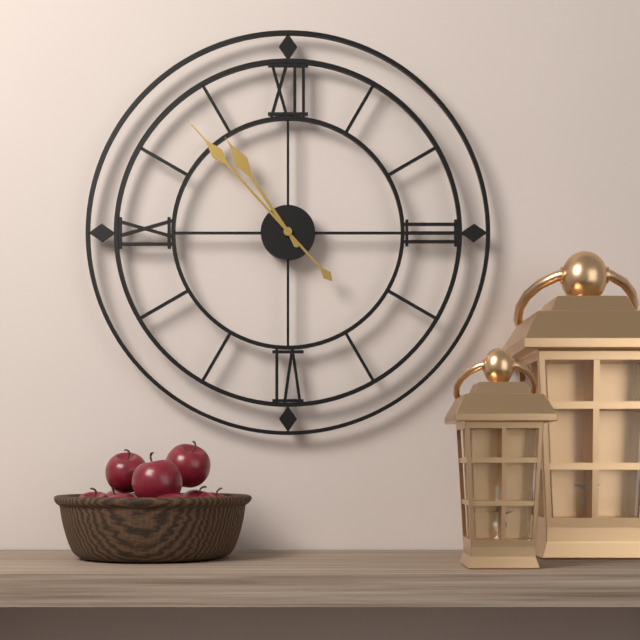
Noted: {"hour": 10, "minute": 53}
